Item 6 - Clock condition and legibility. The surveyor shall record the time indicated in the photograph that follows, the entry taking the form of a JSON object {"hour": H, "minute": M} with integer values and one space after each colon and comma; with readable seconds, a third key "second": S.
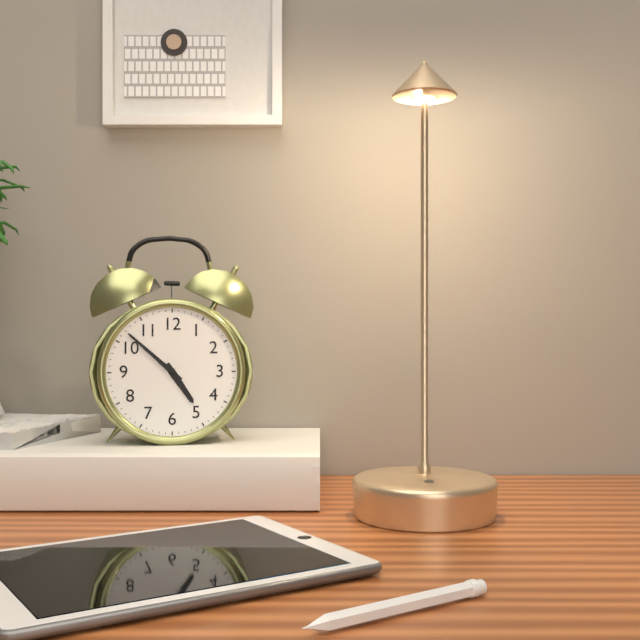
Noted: {"hour": 4, "minute": 52}
